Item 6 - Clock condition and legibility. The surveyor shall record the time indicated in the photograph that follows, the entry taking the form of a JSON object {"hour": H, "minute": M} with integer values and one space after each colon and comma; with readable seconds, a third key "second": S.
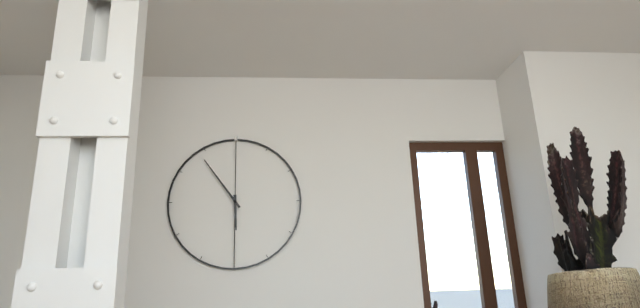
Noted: {"hour": 5, "minute": 54}
